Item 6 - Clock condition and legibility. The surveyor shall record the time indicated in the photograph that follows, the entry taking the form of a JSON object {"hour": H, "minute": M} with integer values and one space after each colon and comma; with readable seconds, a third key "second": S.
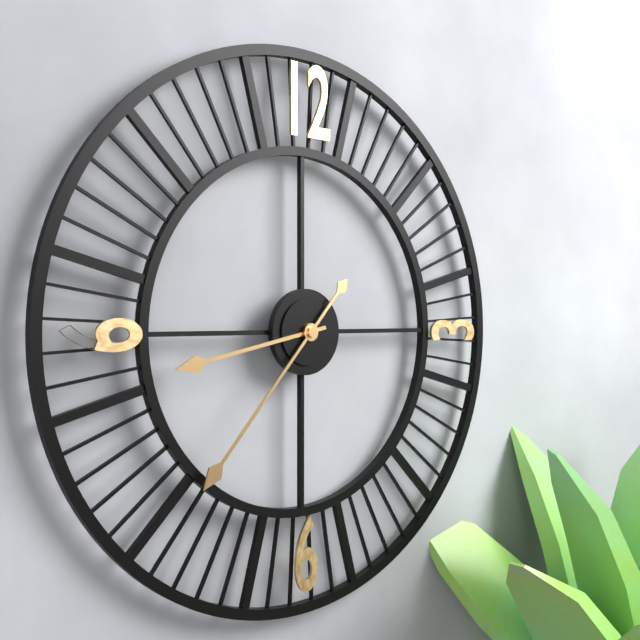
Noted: {"hour": 8, "minute": 37}
